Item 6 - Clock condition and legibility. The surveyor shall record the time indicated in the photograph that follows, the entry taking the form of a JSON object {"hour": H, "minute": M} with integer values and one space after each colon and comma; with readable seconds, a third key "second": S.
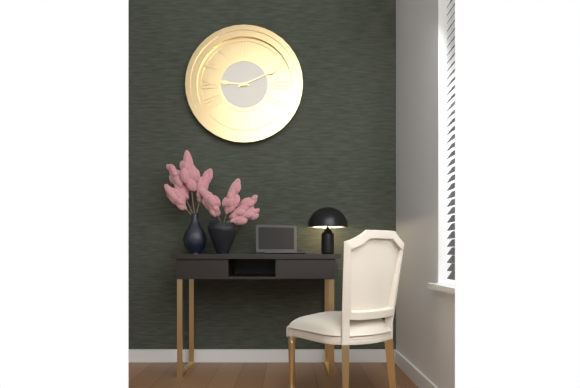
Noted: {"hour": 9, "minute": 11}
